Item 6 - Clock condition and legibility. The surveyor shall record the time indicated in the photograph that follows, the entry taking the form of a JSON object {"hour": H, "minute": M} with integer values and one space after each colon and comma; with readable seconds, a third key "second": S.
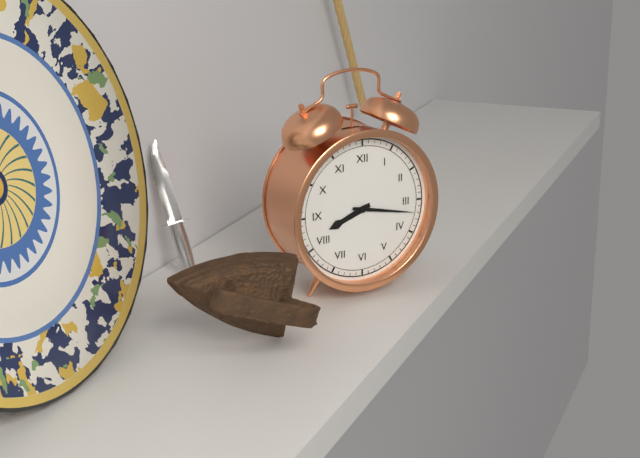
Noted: {"hour": 8, "minute": 17}
